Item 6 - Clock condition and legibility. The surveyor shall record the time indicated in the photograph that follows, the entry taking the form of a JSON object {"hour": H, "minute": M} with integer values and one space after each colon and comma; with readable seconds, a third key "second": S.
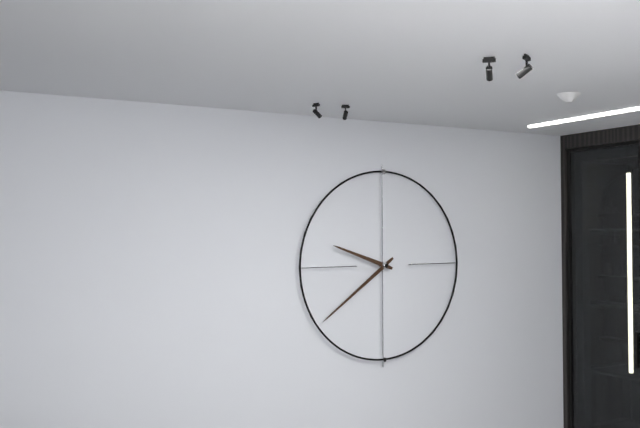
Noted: {"hour": 9, "minute": 39}
